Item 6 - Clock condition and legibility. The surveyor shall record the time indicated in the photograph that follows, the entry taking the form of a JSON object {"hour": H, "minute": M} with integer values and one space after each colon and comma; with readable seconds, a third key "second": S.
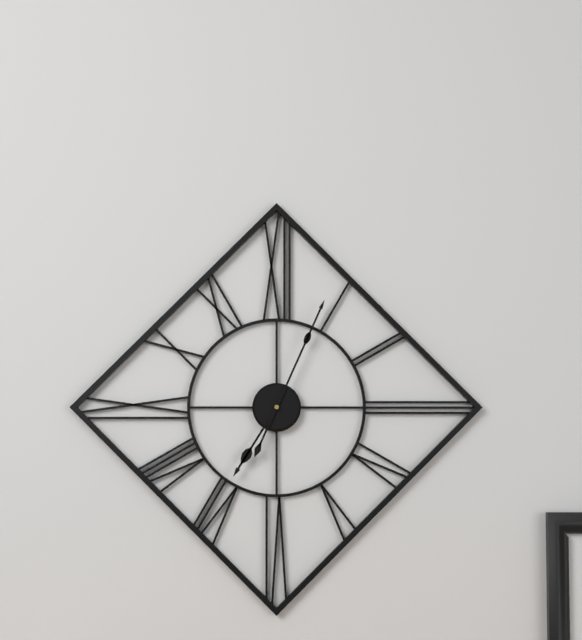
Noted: {"hour": 7, "minute": 4}
